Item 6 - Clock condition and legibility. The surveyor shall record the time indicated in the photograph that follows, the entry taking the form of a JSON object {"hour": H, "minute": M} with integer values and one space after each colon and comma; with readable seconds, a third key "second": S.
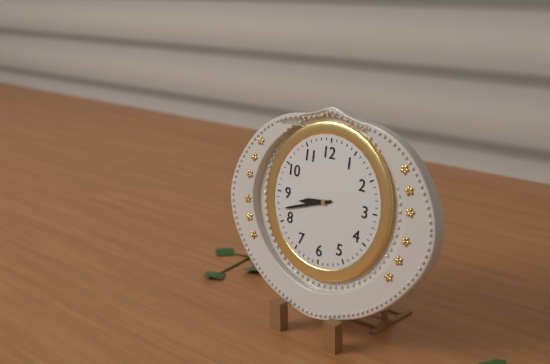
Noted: {"hour": 8, "minute": 42}
